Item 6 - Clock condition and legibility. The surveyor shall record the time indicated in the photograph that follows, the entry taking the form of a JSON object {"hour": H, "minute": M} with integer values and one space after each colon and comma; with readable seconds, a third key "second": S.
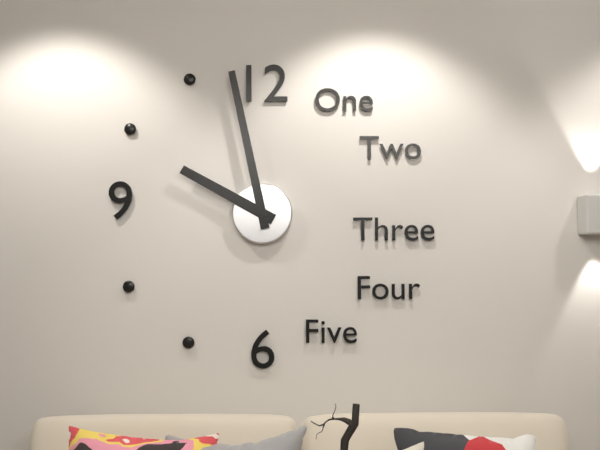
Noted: {"hour": 9, "minute": 58}
